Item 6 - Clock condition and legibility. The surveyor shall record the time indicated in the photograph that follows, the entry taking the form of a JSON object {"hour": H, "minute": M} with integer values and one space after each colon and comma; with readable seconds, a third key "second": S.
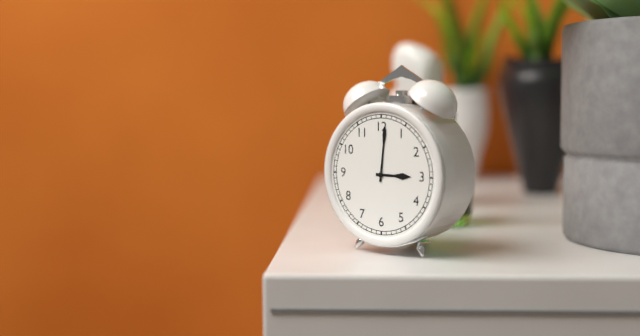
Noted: {"hour": 3, "minute": 1}
